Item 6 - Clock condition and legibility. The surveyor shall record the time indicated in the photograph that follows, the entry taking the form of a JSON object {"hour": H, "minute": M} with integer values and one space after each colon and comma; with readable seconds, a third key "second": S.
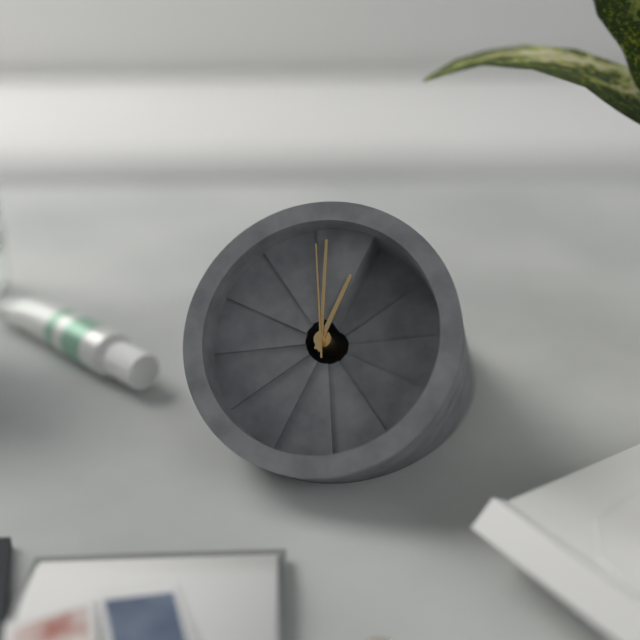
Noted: {"hour": 11, "minute": 56, "second": 55}
